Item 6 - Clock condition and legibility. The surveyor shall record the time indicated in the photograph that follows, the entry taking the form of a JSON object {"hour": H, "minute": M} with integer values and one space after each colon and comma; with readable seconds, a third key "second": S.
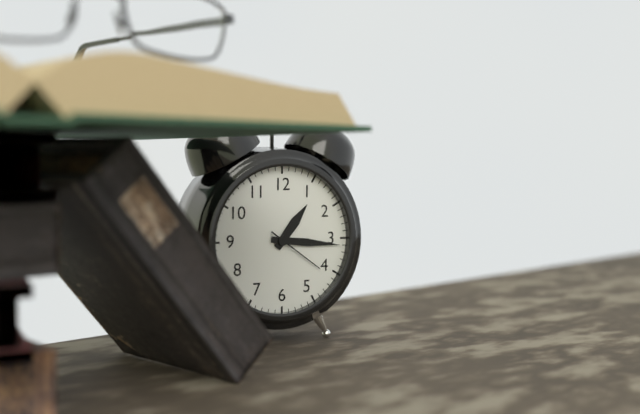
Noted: {"hour": 1, "minute": 16, "second": 21}
